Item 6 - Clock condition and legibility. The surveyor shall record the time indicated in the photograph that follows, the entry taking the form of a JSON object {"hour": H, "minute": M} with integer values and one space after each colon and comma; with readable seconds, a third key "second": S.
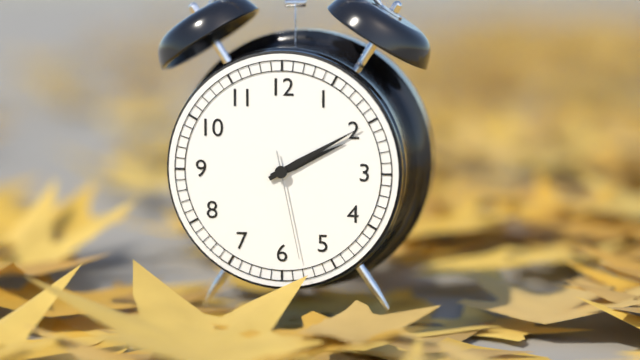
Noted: {"hour": 2, "minute": 10, "second": 28}
